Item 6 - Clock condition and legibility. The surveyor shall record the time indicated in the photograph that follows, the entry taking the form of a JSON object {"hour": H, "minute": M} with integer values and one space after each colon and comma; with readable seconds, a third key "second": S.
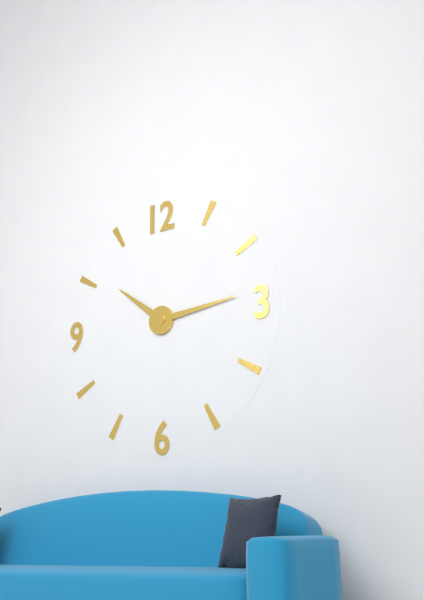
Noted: {"hour": 10, "minute": 14}
